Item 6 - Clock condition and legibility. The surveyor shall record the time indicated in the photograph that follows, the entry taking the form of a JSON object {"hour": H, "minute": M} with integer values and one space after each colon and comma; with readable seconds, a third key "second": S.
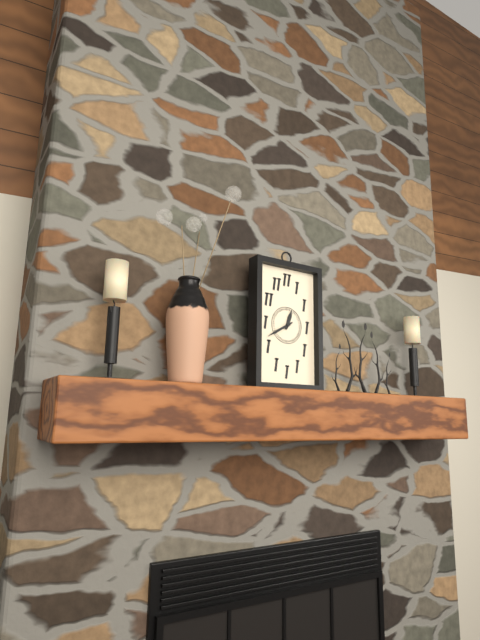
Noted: {"hour": 12, "minute": 40}
